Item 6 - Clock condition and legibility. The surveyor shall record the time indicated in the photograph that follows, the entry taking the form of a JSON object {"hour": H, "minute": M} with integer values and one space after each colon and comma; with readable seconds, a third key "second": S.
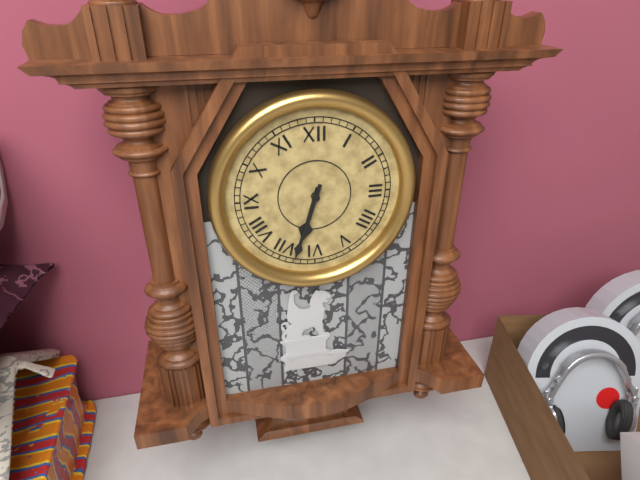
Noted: {"hour": 6, "minute": 33}
